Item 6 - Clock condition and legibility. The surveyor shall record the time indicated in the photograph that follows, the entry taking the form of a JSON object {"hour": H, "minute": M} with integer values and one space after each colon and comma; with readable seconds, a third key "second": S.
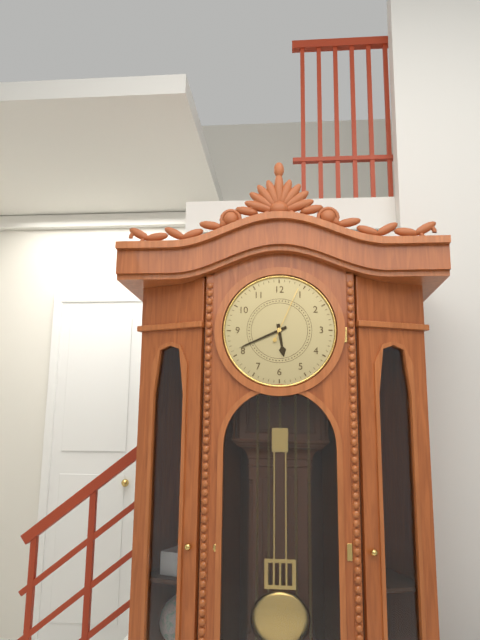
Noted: {"hour": 5, "minute": 41, "second": 4}
